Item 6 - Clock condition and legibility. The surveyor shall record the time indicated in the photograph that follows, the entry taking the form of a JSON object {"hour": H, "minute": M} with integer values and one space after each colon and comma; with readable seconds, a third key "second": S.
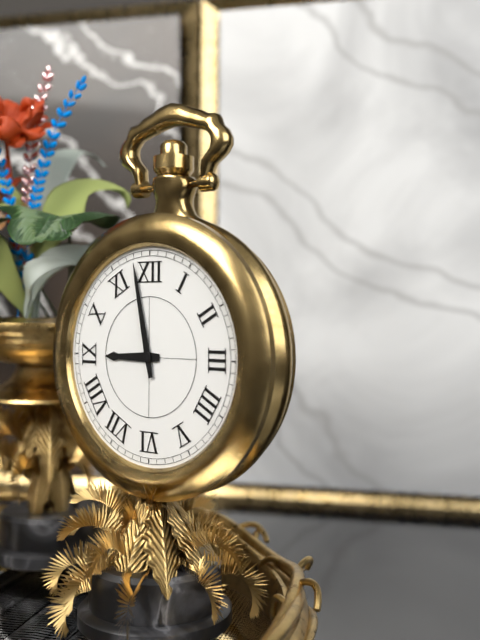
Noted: {"hour": 8, "minute": 58}
